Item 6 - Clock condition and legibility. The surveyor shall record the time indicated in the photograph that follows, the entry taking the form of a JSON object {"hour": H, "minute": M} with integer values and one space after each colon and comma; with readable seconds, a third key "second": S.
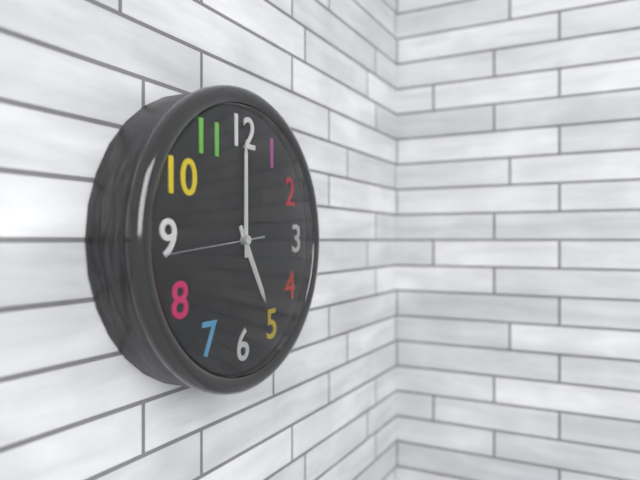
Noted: {"hour": 5, "minute": 0, "second": 44}
